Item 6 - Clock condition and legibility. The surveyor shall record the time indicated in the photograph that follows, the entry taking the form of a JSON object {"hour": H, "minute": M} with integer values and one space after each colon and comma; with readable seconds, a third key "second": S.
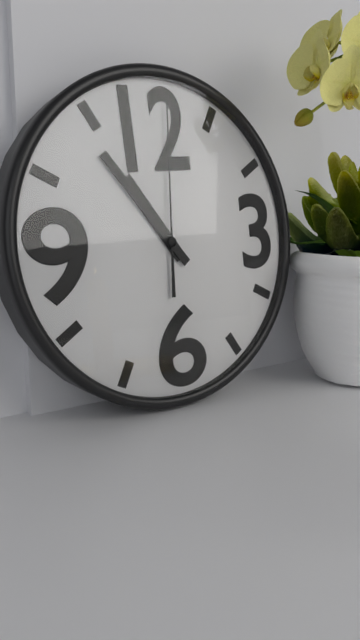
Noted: {"hour": 10, "minute": 54, "second": 1}
